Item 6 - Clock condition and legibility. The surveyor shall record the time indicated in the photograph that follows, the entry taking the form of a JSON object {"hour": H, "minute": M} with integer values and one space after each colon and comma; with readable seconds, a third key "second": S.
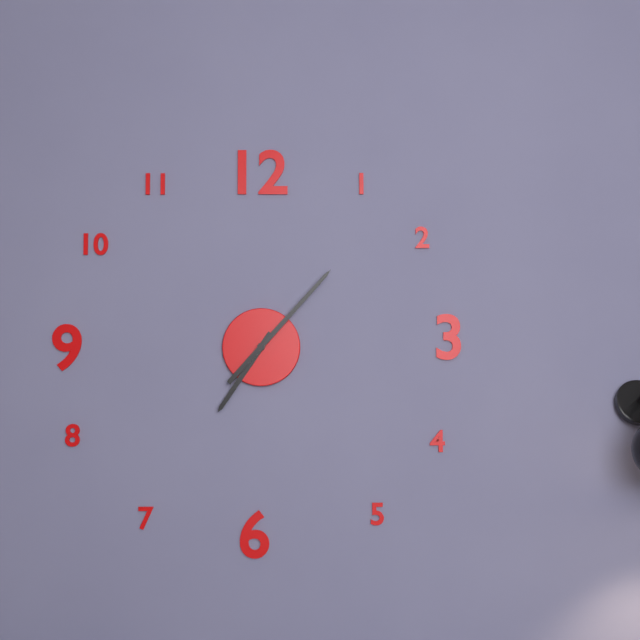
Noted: {"hour": 7, "minute": 7}
